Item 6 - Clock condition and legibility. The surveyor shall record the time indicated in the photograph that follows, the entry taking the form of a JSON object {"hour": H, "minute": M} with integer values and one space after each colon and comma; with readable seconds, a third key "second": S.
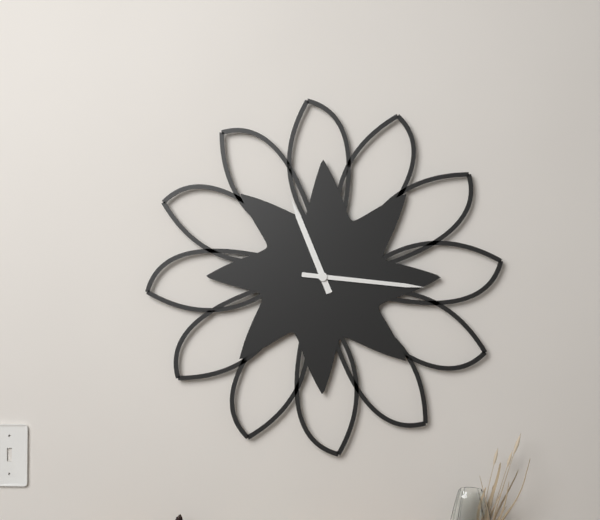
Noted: {"hour": 11, "minute": 16}
